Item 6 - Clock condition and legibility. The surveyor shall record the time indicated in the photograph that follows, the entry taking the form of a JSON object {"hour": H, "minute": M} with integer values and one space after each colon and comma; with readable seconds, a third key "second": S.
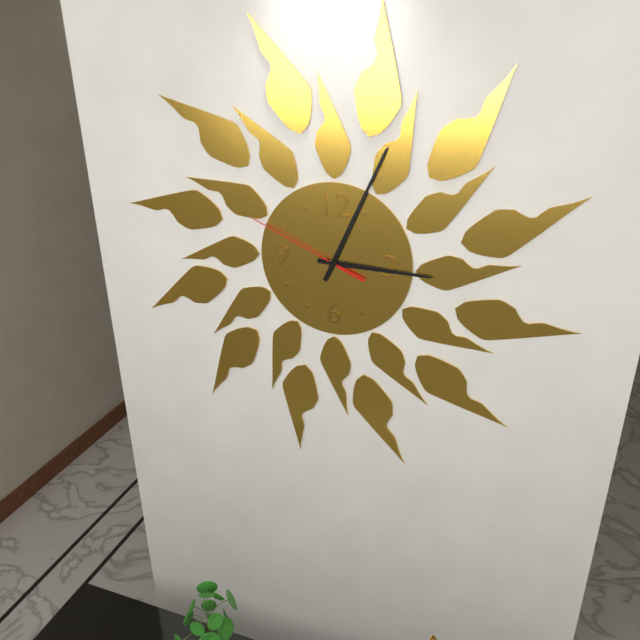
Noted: {"hour": 3, "minute": 4, "second": 49}
